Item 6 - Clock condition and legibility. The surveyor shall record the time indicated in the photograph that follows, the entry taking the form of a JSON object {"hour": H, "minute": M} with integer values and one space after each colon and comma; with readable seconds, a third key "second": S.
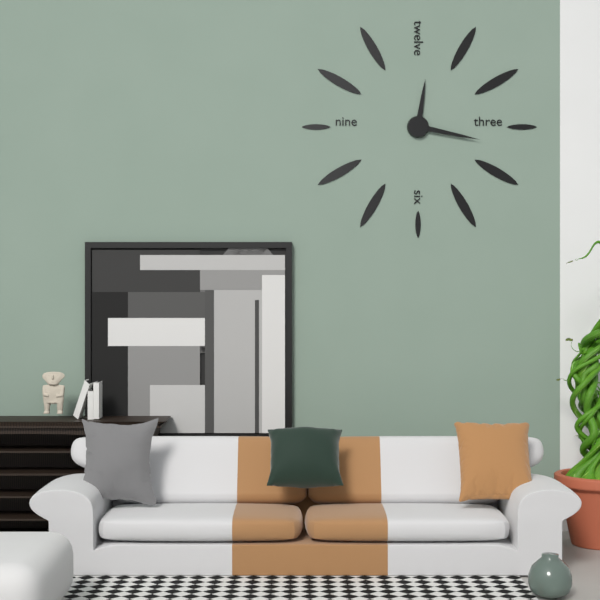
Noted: {"hour": 12, "minute": 17}
